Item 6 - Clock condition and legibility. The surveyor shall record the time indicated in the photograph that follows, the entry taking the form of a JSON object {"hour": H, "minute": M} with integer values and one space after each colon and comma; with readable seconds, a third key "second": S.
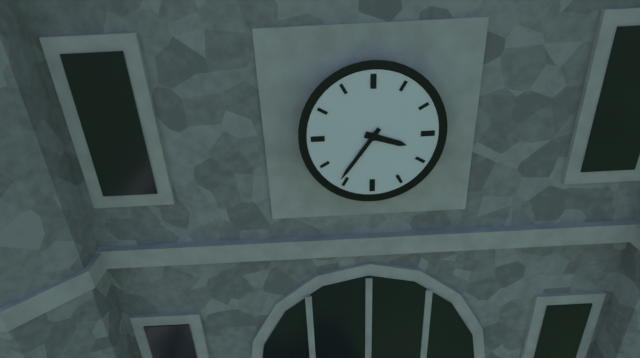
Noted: {"hour": 3, "minute": 36}
